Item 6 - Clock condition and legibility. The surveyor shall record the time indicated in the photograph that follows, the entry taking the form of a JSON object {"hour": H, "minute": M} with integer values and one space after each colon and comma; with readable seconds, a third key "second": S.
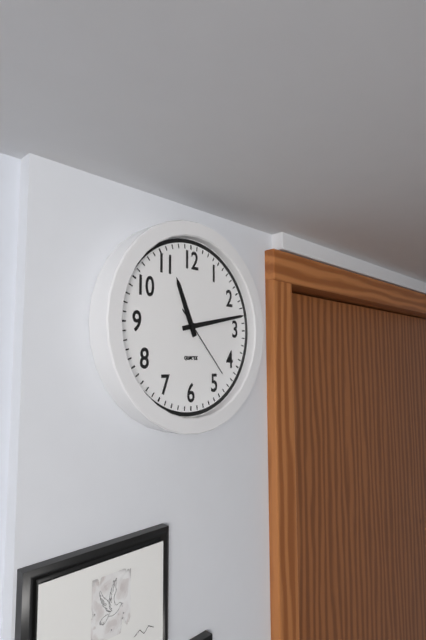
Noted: {"hour": 11, "minute": 13, "second": 23}
